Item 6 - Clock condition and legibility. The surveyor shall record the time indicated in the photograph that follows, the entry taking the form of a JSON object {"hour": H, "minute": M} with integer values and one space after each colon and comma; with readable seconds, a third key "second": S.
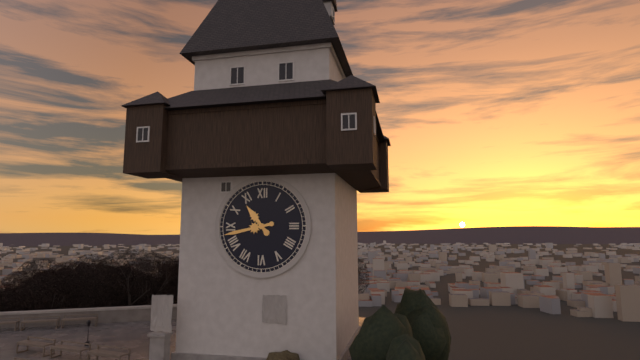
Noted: {"hour": 10, "minute": 43}
